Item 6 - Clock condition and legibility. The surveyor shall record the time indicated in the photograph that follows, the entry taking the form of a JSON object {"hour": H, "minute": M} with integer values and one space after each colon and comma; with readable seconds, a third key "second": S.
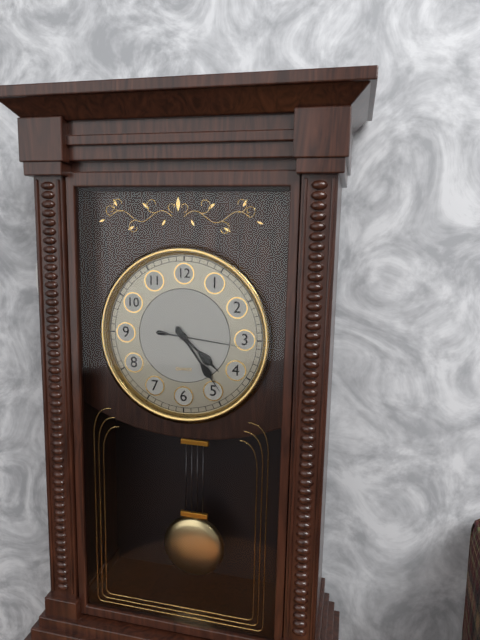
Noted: {"hour": 4, "minute": 24, "second": 16}
